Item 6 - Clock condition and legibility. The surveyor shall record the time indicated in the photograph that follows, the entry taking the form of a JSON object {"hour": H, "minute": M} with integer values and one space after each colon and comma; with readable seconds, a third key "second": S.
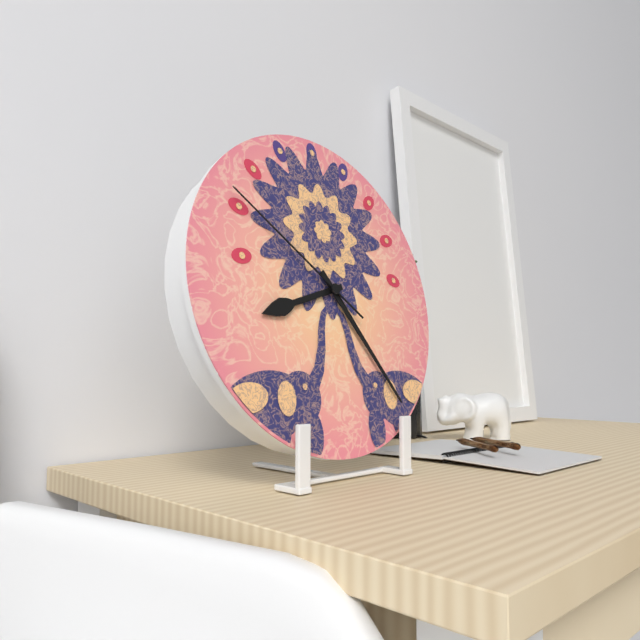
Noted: {"hour": 8, "minute": 24, "second": 51}
